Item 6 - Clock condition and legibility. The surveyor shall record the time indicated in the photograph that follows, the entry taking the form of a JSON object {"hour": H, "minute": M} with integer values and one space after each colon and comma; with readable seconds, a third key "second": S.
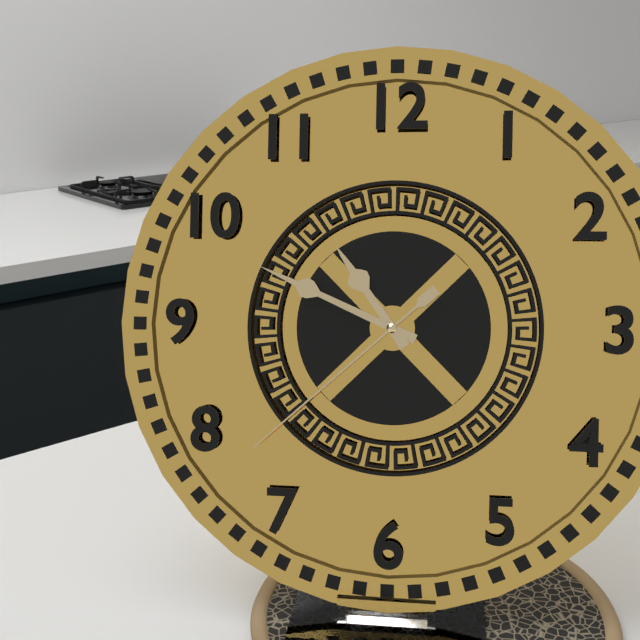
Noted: {"hour": 10, "minute": 49, "second": 38}
